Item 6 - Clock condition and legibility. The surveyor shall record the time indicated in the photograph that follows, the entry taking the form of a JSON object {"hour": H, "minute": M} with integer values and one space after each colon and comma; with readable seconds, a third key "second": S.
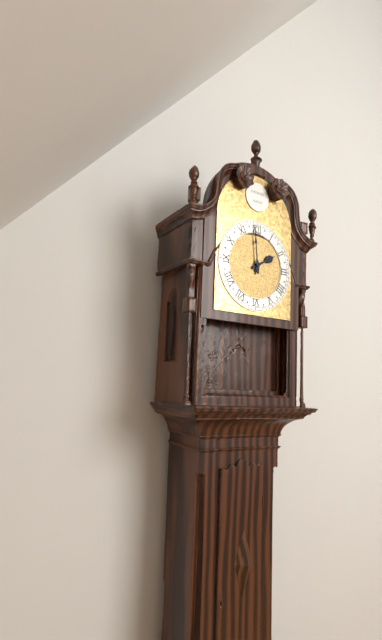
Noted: {"hour": 1, "minute": 59}
